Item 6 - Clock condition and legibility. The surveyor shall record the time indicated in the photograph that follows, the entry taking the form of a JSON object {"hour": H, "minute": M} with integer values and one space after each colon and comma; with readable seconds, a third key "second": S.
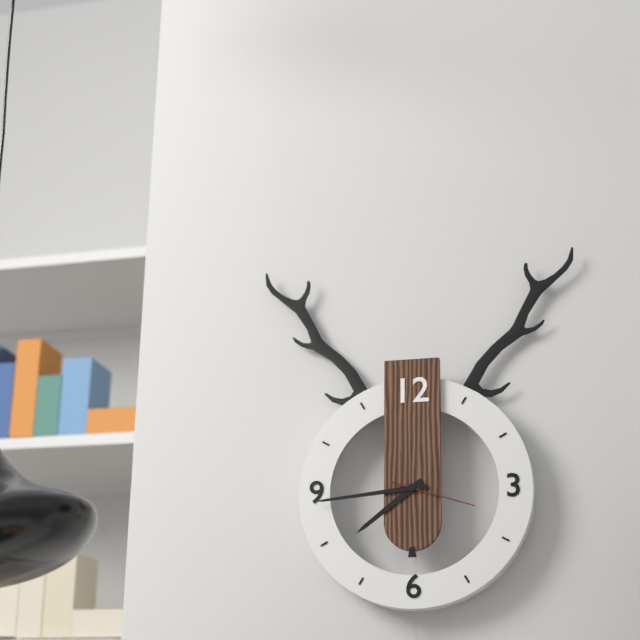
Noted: {"hour": 7, "minute": 44, "second": 18}
